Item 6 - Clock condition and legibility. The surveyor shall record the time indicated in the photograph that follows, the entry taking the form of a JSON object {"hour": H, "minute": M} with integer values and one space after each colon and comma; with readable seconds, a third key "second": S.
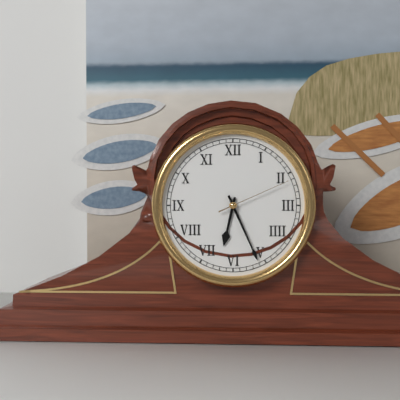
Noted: {"hour": 6, "minute": 26, "second": 11}
